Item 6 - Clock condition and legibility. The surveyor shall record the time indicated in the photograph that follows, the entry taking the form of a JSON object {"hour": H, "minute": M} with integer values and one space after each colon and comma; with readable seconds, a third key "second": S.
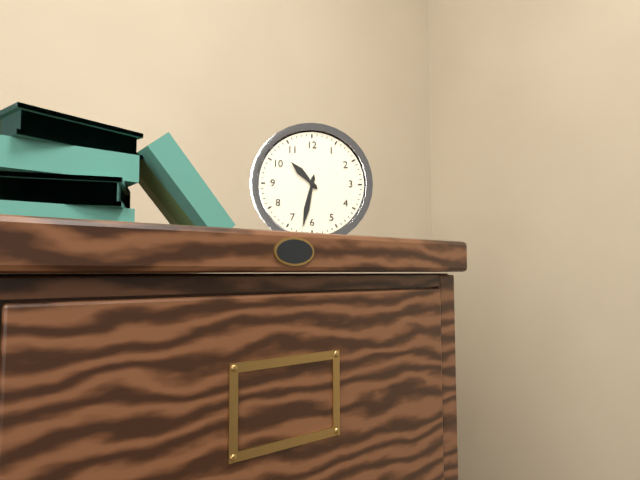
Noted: {"hour": 10, "minute": 32}
